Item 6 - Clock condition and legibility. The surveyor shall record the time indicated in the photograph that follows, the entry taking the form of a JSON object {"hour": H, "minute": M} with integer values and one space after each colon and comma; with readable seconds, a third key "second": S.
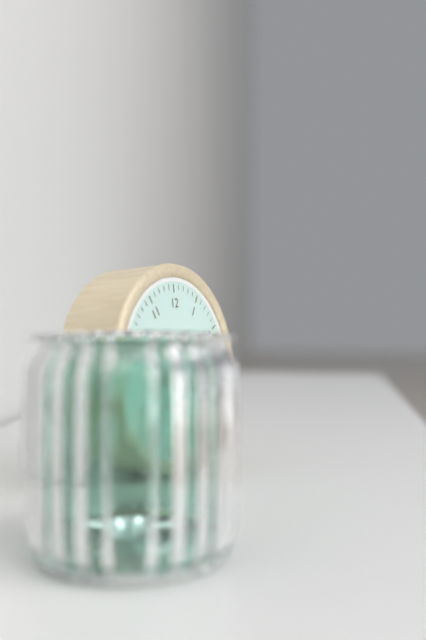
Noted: {"hour": 7, "minute": 13, "second": 30}
